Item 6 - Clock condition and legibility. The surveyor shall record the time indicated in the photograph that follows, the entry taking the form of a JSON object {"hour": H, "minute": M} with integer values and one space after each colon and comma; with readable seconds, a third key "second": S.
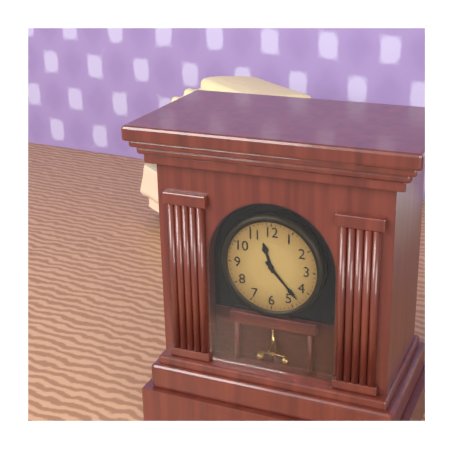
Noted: {"hour": 11, "minute": 23}
